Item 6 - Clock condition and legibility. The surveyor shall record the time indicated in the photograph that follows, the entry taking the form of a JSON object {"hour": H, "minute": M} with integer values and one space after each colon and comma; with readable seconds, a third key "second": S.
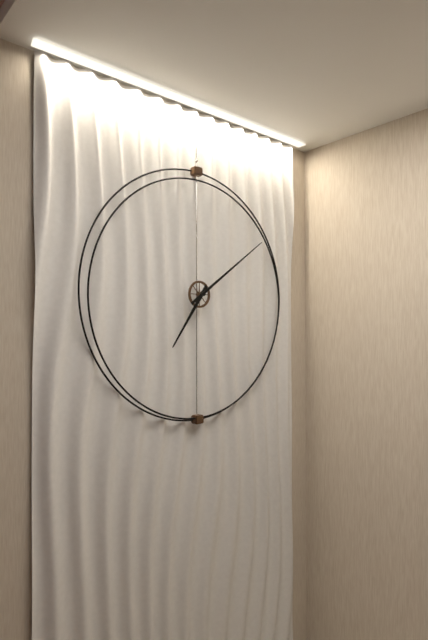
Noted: {"hour": 7, "minute": 9}
